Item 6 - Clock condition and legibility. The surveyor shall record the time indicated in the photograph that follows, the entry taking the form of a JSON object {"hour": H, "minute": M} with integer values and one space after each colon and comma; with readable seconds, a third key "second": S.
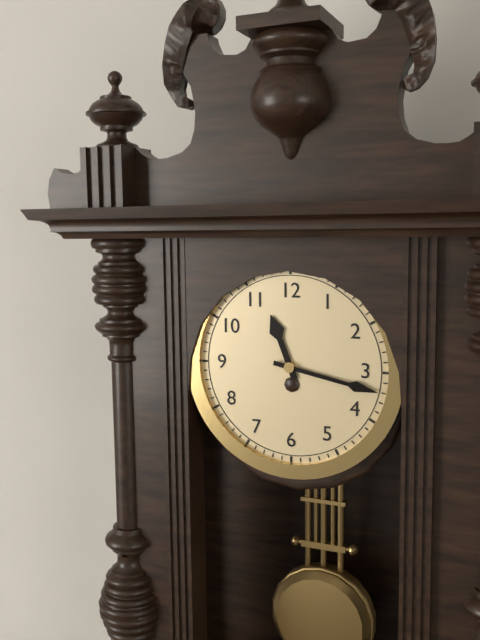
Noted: {"hour": 11, "minute": 17}
